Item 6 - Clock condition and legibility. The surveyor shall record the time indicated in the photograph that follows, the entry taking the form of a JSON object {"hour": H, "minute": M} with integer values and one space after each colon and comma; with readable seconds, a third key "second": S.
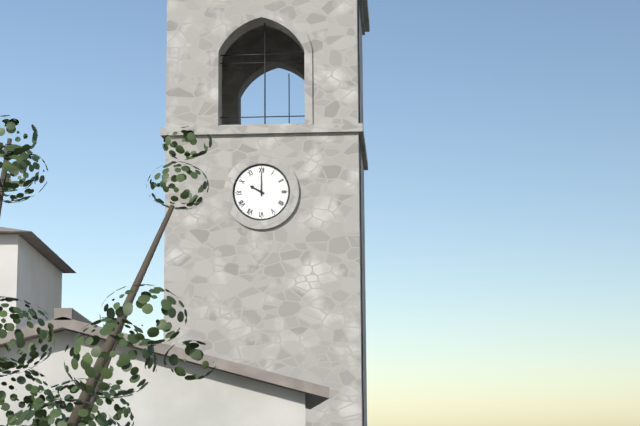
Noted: {"hour": 10, "minute": 0}
